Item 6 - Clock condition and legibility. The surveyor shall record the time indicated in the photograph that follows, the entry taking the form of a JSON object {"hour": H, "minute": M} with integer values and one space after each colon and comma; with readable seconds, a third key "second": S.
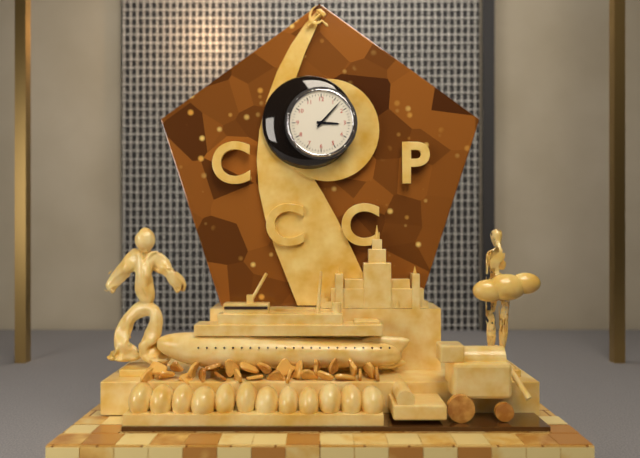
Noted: {"hour": 3, "minute": 7}
